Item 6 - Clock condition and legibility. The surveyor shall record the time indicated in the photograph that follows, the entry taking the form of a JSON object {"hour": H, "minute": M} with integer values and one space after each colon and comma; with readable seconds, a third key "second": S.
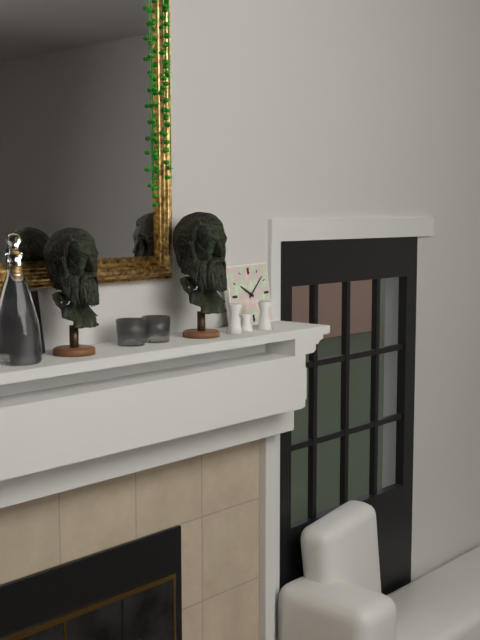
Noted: {"hour": 10, "minute": 8}
